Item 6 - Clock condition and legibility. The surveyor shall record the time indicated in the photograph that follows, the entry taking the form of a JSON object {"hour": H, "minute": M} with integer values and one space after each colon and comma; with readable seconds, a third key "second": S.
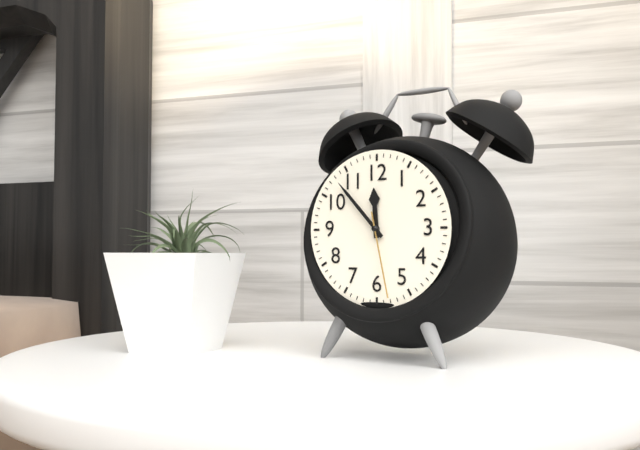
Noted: {"hour": 11, "minute": 53, "second": 28}
